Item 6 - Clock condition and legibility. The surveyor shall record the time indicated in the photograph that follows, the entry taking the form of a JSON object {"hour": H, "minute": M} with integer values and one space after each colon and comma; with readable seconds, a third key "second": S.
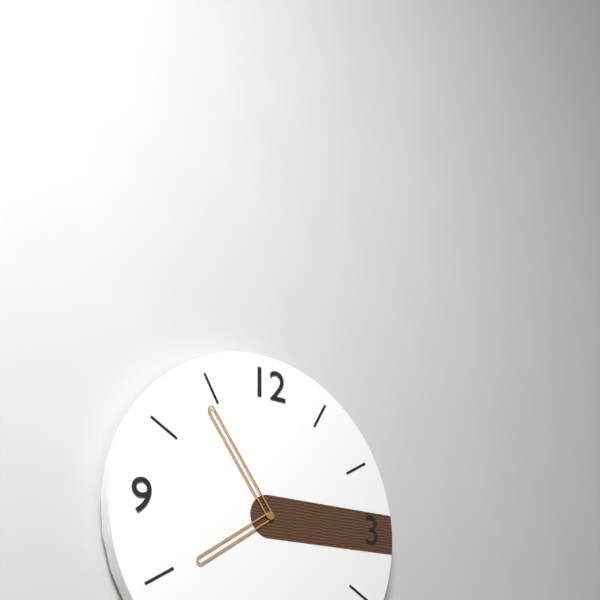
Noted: {"hour": 7, "minute": 54}
